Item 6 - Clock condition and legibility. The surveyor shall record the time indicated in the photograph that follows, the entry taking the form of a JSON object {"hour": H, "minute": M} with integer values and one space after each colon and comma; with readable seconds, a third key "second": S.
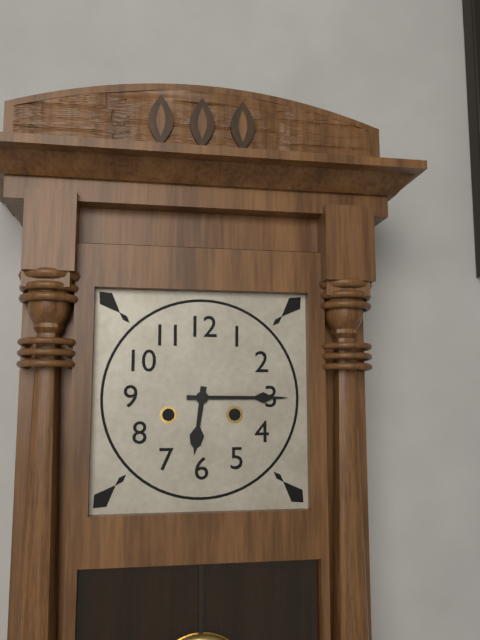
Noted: {"hour": 6, "minute": 15}
